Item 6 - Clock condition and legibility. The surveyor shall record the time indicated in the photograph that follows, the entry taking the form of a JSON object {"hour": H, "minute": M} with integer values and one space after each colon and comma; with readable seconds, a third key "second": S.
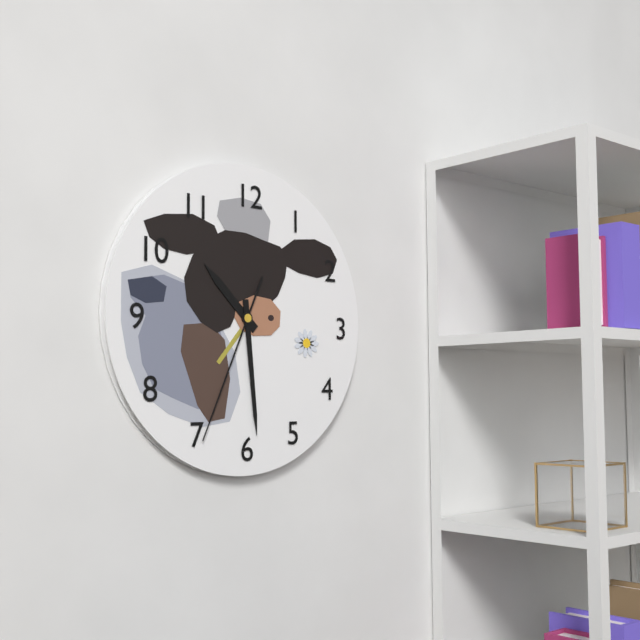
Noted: {"hour": 10, "minute": 29, "second": 34}
